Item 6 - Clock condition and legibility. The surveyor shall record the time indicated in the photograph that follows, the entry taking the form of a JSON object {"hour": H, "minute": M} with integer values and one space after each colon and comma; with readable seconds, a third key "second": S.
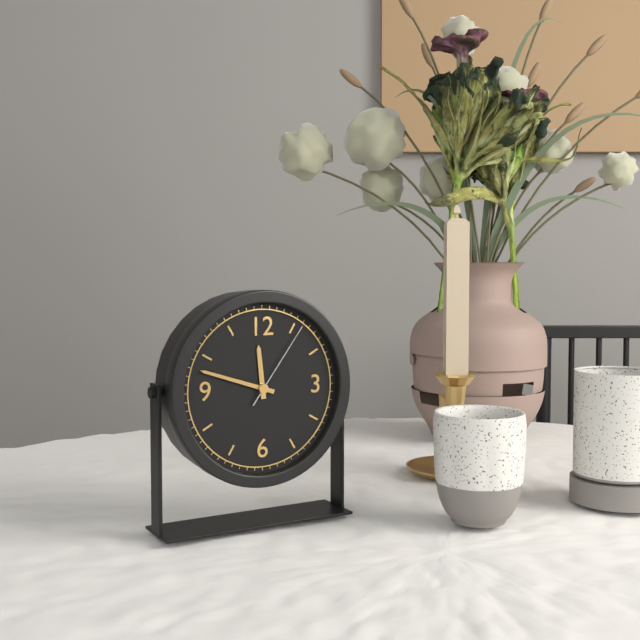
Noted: {"hour": 11, "minute": 48, "second": 6}
